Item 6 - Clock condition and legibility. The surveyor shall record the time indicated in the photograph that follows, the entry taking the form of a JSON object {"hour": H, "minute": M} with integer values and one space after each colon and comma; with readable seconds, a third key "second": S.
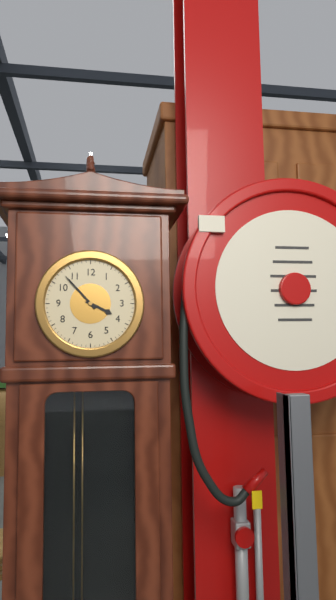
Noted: {"hour": 3, "minute": 53}
